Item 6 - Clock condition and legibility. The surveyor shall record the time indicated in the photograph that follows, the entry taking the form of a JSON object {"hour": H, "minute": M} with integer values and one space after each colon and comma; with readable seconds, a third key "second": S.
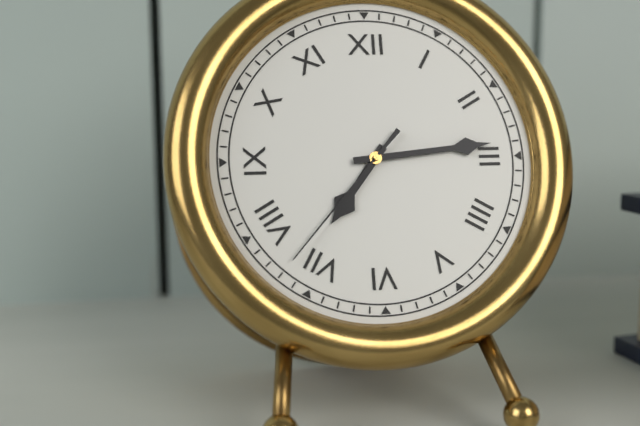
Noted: {"hour": 7, "minute": 14, "second": 37}
